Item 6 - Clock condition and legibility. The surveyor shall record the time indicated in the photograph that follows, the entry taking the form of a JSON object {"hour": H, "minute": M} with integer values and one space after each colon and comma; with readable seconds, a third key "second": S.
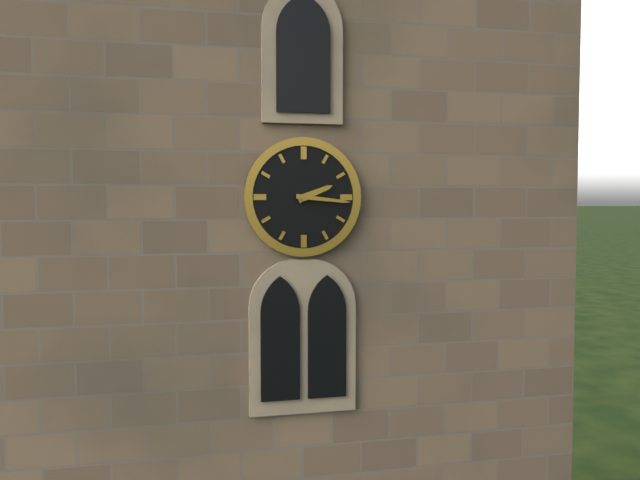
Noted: {"hour": 2, "minute": 16}
